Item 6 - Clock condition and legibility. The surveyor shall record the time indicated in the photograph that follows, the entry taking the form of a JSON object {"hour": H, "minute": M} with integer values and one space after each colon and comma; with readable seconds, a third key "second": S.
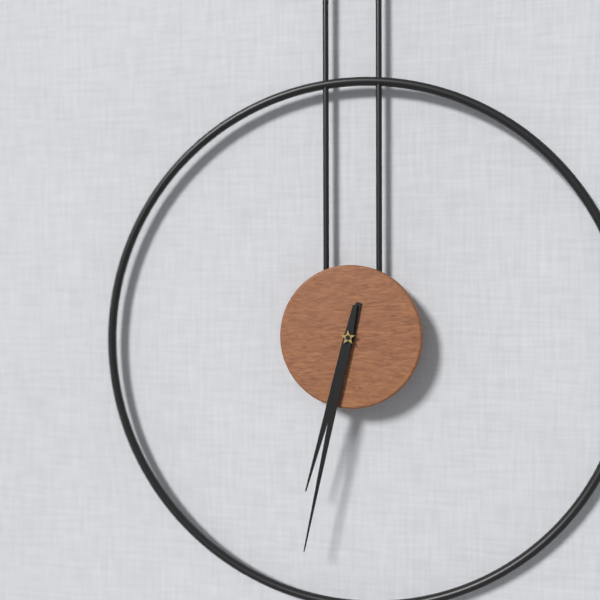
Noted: {"hour": 6, "minute": 32}
